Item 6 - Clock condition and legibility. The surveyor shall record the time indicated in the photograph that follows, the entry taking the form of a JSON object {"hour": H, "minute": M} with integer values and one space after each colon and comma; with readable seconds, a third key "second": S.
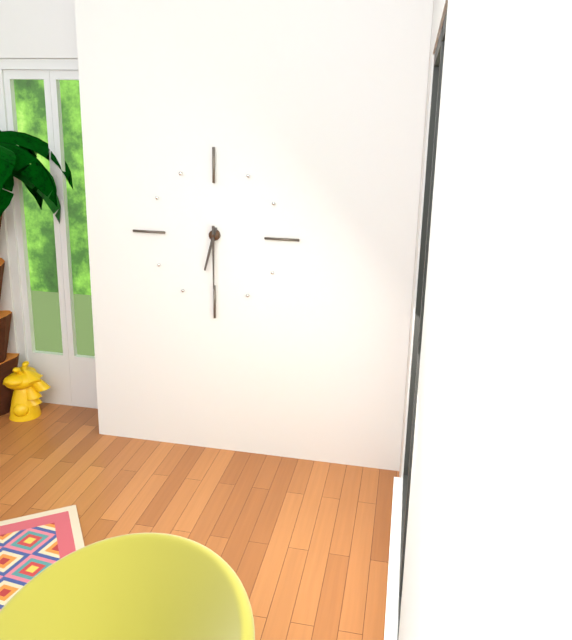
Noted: {"hour": 6, "minute": 30}
